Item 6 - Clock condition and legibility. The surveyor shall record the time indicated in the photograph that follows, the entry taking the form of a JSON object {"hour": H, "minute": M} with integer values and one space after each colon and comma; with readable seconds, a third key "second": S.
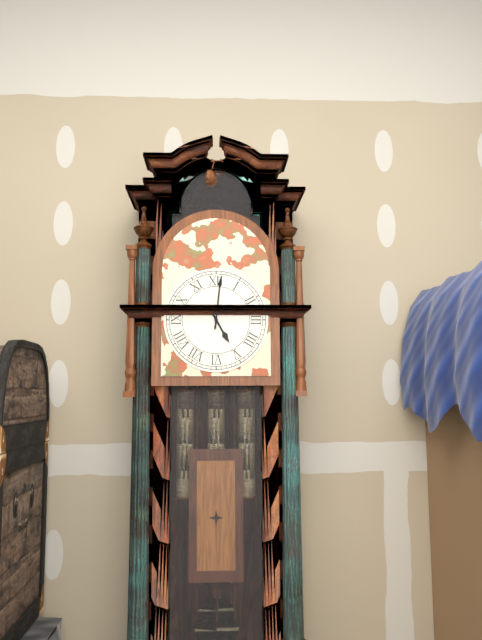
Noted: {"hour": 5, "minute": 1}
